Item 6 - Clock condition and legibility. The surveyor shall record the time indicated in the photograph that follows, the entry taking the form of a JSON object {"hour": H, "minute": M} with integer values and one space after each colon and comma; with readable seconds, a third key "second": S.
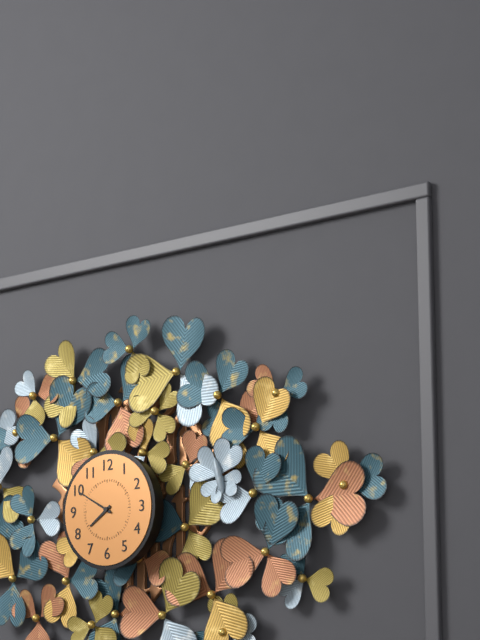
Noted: {"hour": 7, "minute": 50}
